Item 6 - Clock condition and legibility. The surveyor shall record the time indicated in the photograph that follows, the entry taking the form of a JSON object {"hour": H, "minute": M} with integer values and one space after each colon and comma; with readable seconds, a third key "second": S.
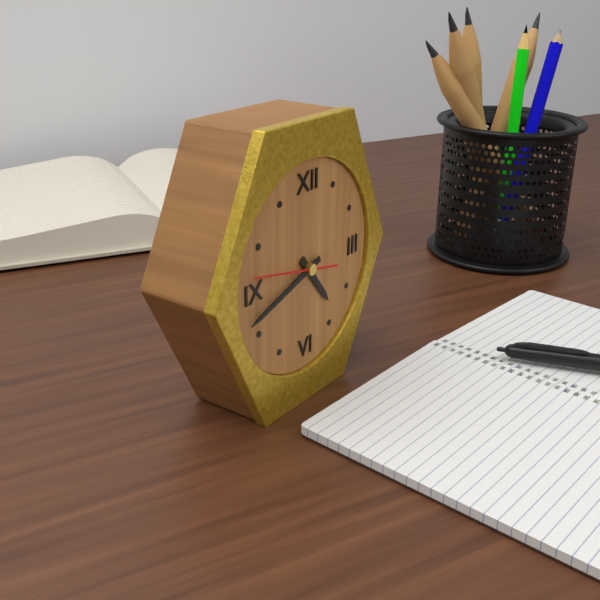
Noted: {"hour": 4, "minute": 42}
